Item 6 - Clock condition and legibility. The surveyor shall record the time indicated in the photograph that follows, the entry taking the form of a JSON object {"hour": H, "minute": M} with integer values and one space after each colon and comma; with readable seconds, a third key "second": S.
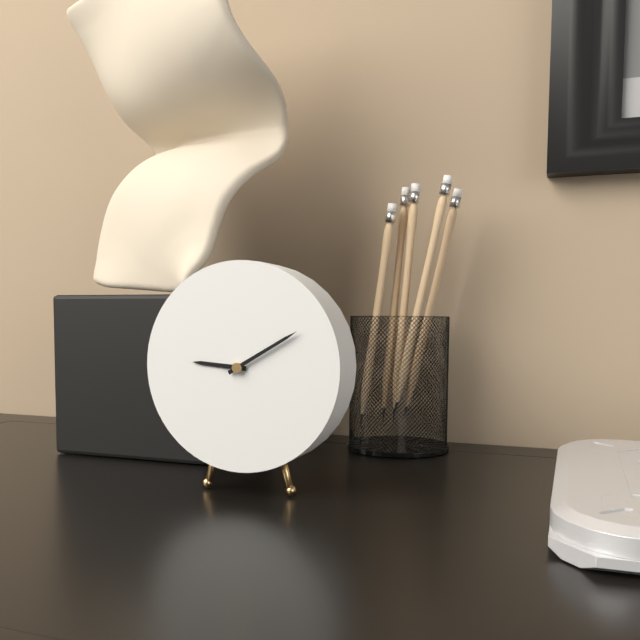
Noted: {"hour": 9, "minute": 10}
